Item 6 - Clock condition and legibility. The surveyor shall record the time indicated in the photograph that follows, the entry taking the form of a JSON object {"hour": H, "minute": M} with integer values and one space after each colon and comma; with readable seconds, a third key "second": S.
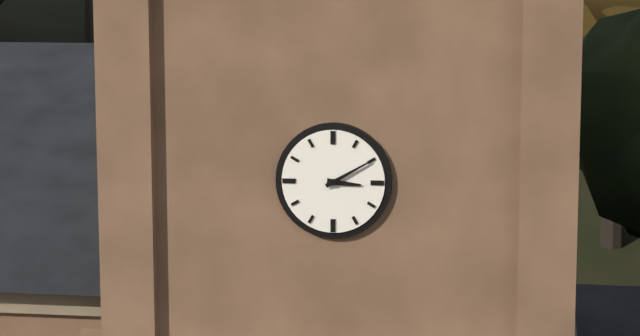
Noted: {"hour": 3, "minute": 10}
